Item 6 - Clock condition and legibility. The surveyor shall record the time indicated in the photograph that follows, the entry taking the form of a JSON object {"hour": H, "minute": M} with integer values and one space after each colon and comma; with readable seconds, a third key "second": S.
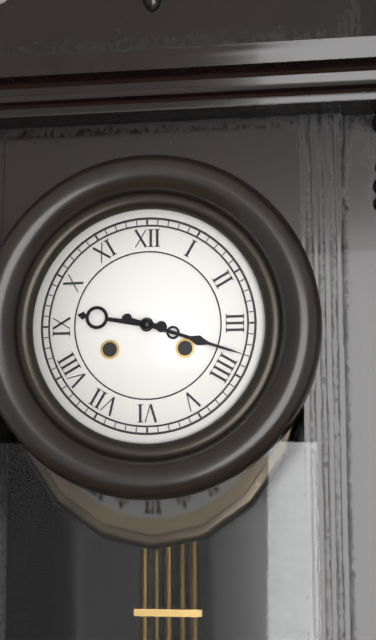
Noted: {"hour": 9, "minute": 18}
